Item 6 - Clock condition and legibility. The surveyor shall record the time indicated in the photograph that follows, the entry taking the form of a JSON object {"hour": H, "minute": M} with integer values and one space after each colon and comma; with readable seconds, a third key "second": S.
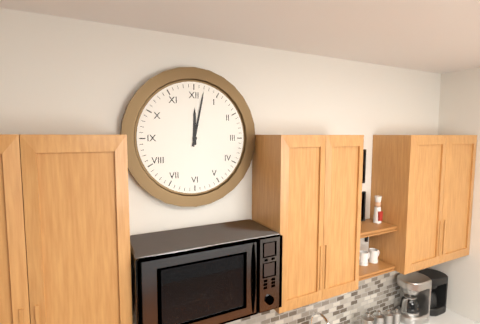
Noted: {"hour": 12, "minute": 2}
